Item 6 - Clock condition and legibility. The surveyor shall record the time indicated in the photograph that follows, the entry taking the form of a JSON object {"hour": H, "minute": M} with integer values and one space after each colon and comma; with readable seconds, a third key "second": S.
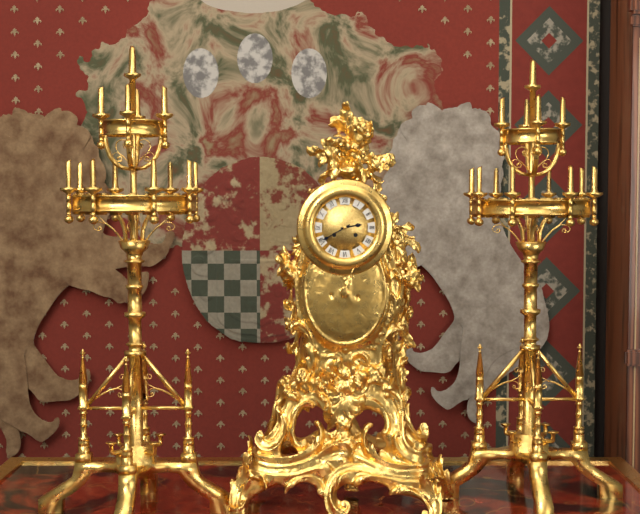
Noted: {"hour": 2, "minute": 40}
